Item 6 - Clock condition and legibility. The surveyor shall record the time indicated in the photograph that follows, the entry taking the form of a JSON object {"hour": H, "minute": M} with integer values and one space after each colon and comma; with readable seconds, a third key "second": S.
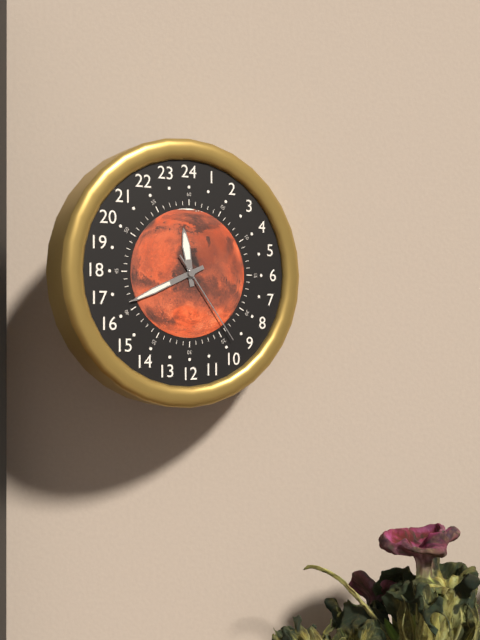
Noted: {"hour": 11, "minute": 41, "second": 24}
